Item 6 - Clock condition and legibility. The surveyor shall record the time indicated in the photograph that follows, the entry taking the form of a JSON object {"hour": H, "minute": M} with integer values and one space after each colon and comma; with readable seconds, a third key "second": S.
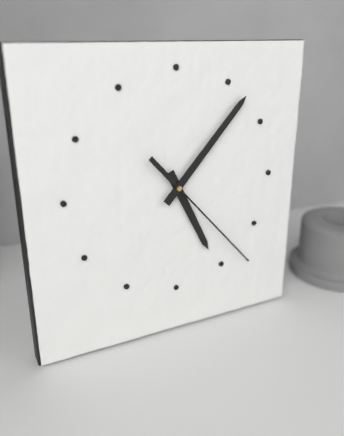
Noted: {"hour": 5, "minute": 7, "second": 23}
